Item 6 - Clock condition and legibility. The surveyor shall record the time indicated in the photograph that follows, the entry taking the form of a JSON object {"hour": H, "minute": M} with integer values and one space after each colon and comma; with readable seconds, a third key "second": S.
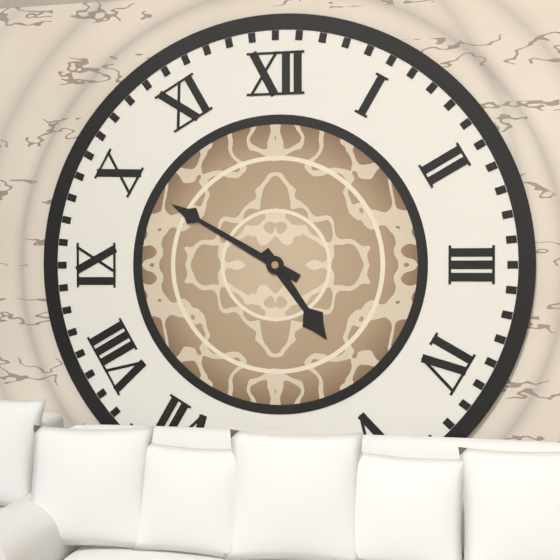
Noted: {"hour": 4, "minute": 50}
